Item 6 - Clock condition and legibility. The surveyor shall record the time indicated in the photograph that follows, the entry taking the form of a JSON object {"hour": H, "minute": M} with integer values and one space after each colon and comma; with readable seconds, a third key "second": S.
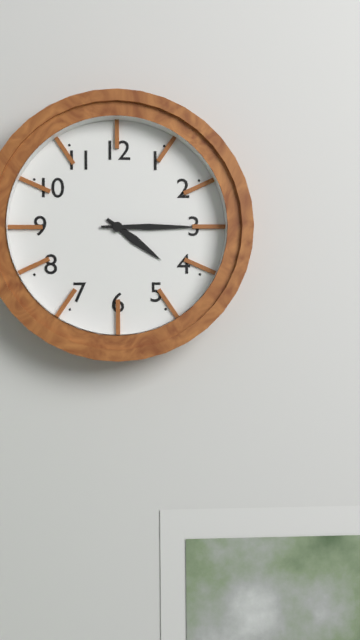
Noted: {"hour": 4, "minute": 15}
